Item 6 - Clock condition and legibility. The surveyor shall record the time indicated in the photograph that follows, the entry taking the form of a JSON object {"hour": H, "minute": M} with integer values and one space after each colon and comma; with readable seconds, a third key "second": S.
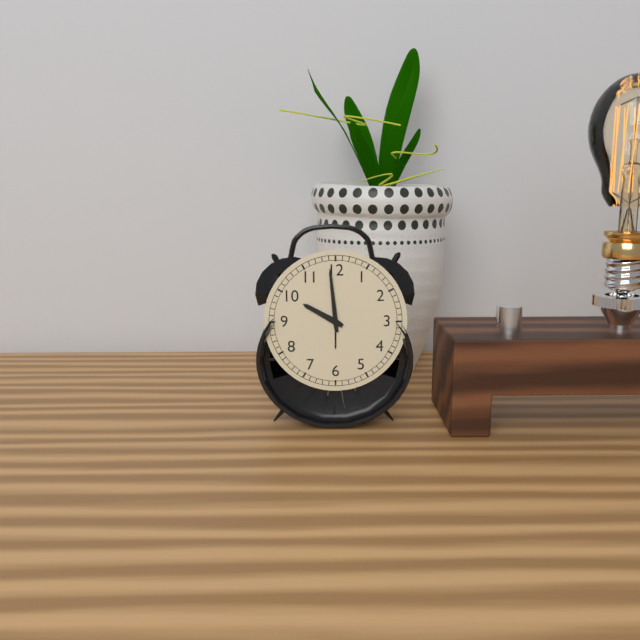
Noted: {"hour": 9, "minute": 59}
